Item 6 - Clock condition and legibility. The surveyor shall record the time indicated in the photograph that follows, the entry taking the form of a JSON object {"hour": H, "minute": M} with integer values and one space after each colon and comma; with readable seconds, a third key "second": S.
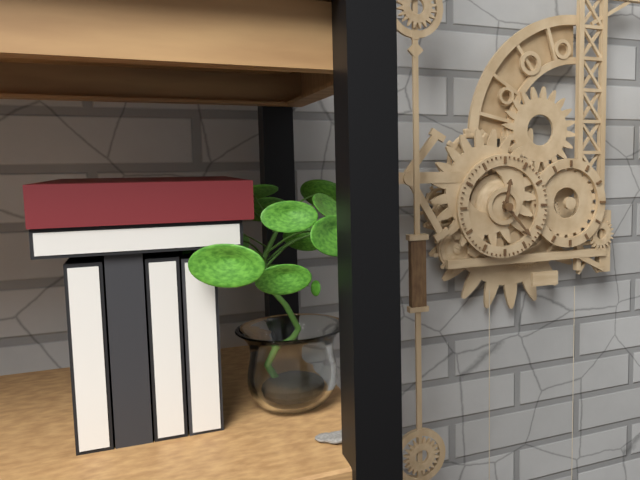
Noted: {"hour": 12, "minute": 23}
